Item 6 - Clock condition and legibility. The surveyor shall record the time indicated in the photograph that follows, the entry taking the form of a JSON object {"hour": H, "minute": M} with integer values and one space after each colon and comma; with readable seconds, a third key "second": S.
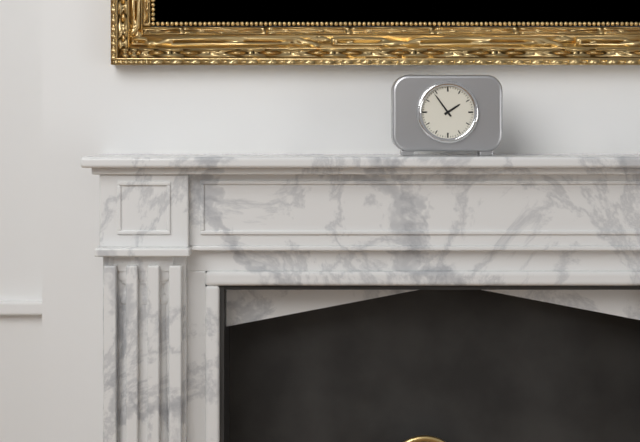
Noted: {"hour": 1, "minute": 54}
